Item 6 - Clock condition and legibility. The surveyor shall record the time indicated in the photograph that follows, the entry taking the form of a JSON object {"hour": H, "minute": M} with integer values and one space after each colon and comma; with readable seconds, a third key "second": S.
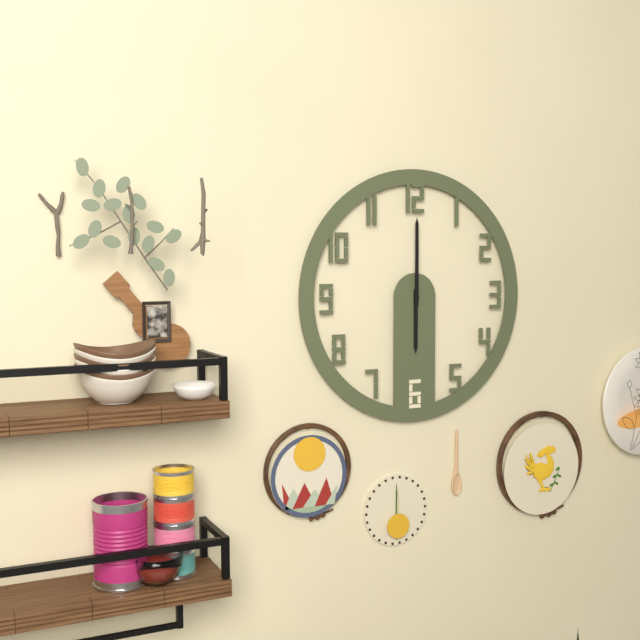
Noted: {"hour": 6, "minute": 0}
